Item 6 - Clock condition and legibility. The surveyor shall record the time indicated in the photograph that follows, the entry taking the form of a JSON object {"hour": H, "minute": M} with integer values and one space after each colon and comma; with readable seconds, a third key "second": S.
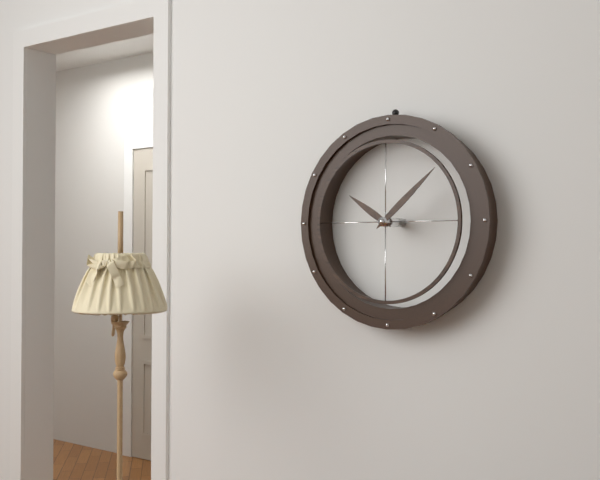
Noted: {"hour": 10, "minute": 8}
